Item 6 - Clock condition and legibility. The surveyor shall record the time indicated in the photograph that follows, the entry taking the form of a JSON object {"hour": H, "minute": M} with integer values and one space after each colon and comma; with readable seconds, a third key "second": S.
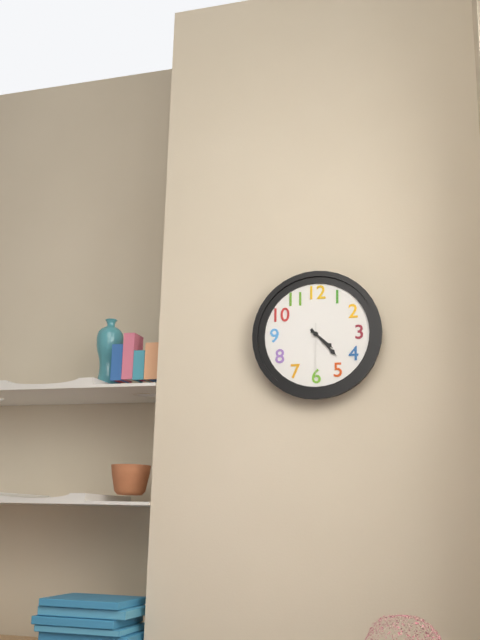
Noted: {"hour": 4, "minute": 23, "second": 30}
